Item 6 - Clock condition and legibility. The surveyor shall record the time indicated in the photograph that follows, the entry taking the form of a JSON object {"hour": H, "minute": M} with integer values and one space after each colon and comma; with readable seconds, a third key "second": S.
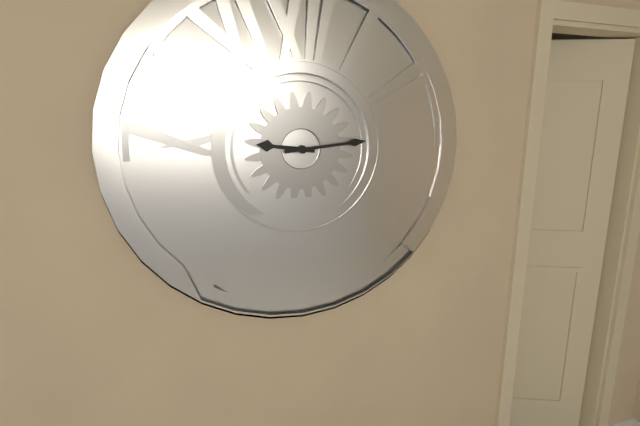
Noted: {"hour": 9, "minute": 14}
